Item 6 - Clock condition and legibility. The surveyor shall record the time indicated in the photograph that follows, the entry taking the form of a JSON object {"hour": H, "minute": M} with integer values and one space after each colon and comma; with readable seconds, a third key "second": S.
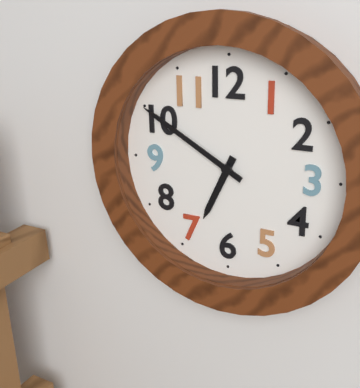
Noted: {"hour": 6, "minute": 50}
